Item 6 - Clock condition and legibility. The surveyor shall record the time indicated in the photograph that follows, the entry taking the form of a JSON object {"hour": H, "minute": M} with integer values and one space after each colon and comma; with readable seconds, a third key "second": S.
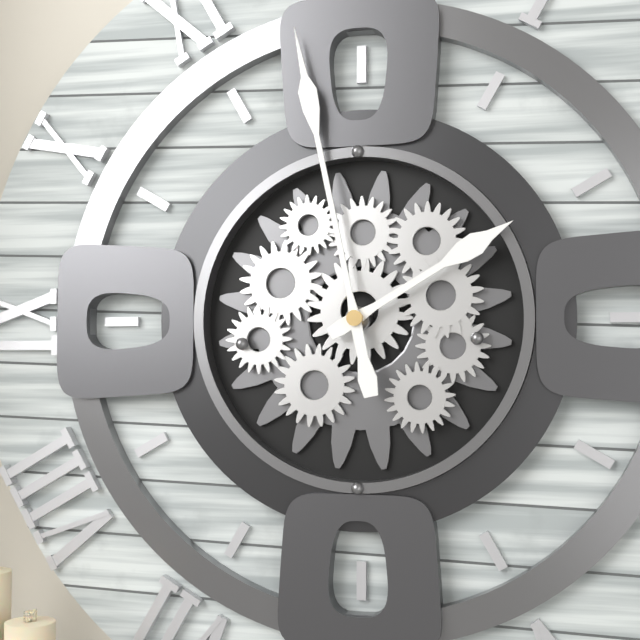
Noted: {"hour": 1, "minute": 58}
